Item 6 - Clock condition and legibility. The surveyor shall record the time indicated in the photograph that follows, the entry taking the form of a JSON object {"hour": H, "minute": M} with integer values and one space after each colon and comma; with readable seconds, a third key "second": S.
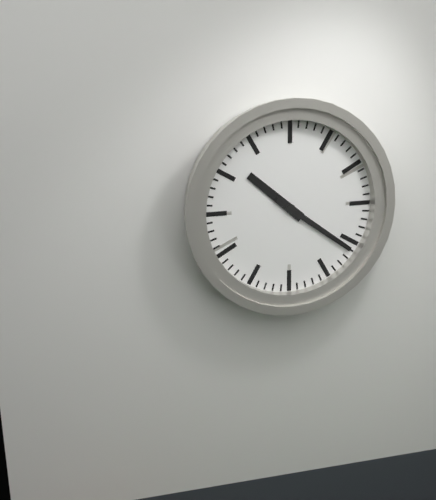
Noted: {"hour": 10, "minute": 21}
